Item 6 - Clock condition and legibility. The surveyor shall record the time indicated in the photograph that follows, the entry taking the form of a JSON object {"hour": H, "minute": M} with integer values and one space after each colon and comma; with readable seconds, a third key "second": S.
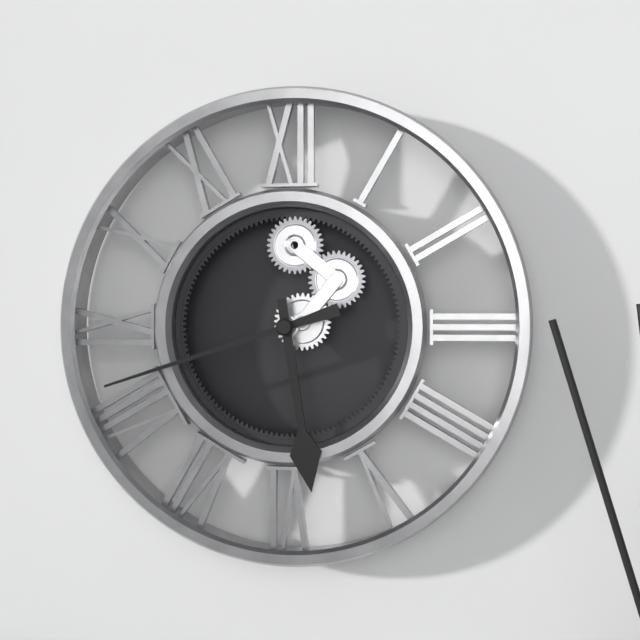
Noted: {"hour": 5, "minute": 42}
